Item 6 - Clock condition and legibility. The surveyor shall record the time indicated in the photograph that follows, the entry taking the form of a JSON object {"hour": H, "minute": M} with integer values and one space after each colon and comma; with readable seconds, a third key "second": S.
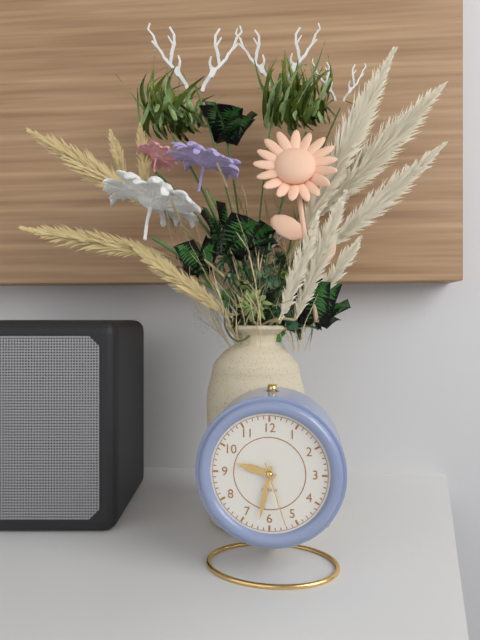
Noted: {"hour": 9, "minute": 32, "second": 27}
